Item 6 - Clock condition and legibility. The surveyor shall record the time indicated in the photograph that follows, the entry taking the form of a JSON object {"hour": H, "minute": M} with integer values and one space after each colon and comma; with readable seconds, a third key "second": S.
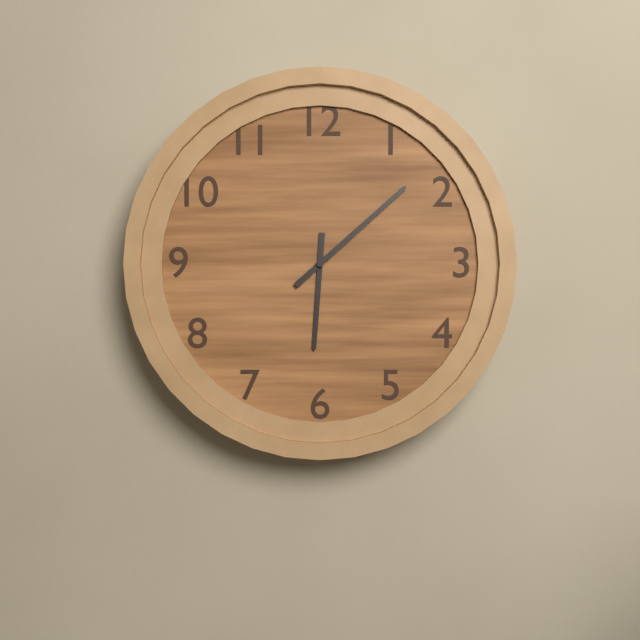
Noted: {"hour": 6, "minute": 8}
